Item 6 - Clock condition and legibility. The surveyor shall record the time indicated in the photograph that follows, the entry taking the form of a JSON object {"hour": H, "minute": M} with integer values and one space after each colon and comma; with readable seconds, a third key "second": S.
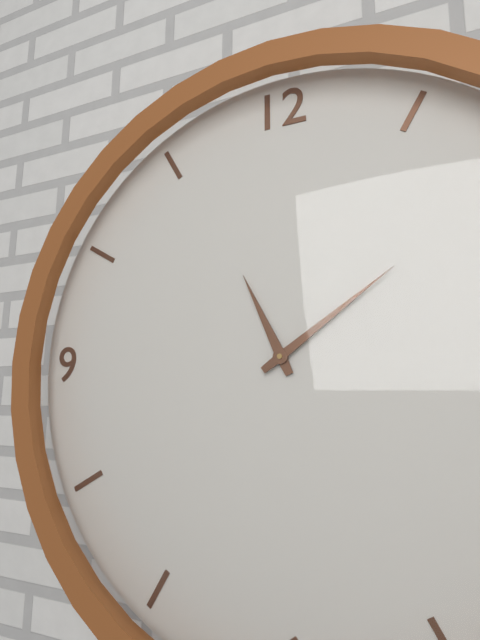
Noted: {"hour": 11, "minute": 9}
